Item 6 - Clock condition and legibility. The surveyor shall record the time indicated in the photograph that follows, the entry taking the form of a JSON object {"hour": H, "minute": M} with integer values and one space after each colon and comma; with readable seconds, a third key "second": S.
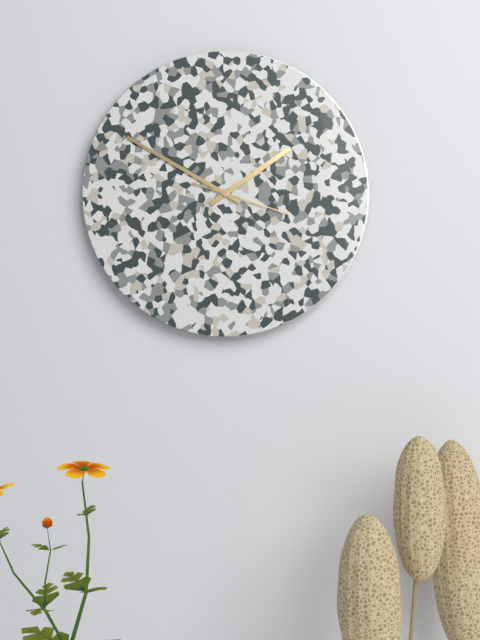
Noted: {"hour": 1, "minute": 50, "second": 18}
